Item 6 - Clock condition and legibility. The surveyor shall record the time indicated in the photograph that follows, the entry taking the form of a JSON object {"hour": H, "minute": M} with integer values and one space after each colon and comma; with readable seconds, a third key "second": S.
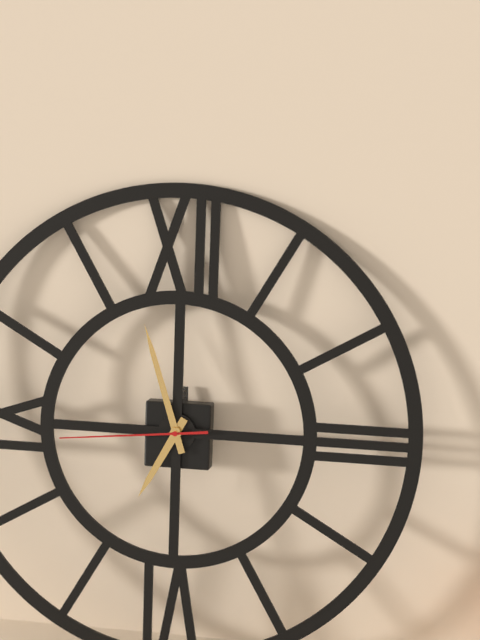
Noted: {"hour": 6, "minute": 57, "second": 44}
